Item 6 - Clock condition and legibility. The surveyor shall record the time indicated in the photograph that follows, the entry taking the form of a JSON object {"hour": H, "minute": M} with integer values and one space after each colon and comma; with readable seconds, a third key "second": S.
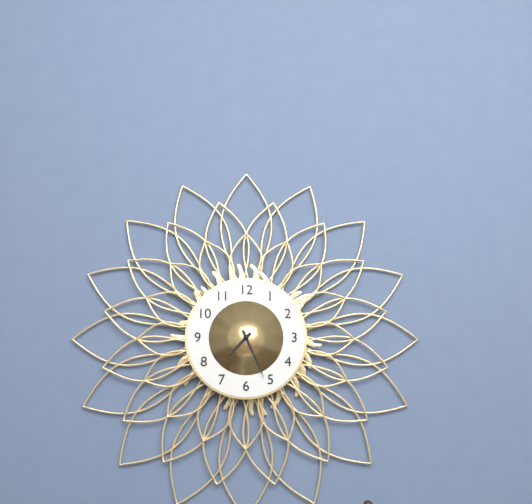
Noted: {"hour": 7, "minute": 26}
